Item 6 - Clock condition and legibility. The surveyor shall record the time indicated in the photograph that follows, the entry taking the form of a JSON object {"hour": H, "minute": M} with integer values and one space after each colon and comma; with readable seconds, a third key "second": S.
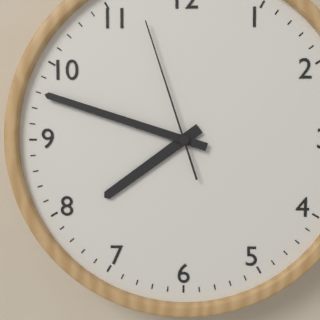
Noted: {"hour": 7, "minute": 48, "second": 57}
